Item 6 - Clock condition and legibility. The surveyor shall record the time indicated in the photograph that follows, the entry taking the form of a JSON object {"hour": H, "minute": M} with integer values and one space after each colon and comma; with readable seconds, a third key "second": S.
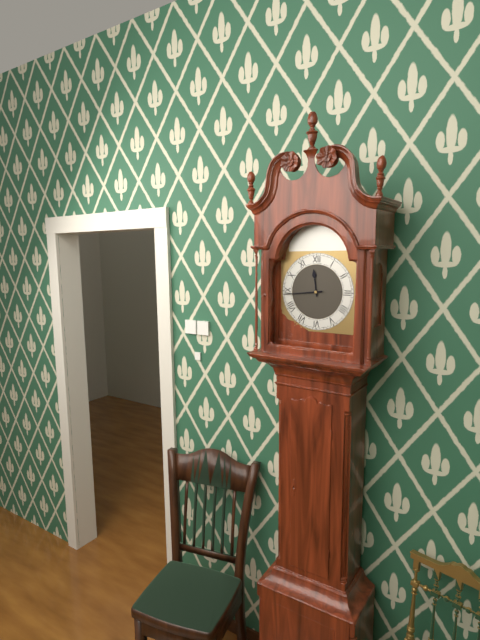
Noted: {"hour": 11, "minute": 44}
